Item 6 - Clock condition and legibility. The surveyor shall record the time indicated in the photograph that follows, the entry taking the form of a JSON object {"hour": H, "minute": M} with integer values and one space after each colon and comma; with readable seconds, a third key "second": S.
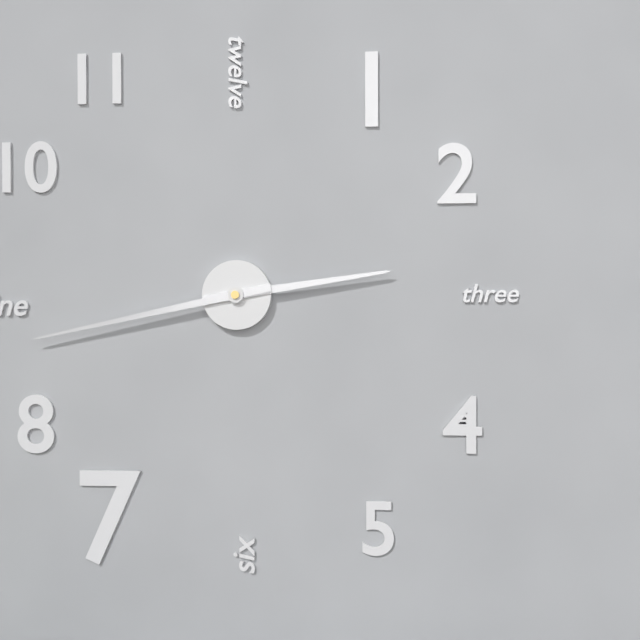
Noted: {"hour": 2, "minute": 43}
